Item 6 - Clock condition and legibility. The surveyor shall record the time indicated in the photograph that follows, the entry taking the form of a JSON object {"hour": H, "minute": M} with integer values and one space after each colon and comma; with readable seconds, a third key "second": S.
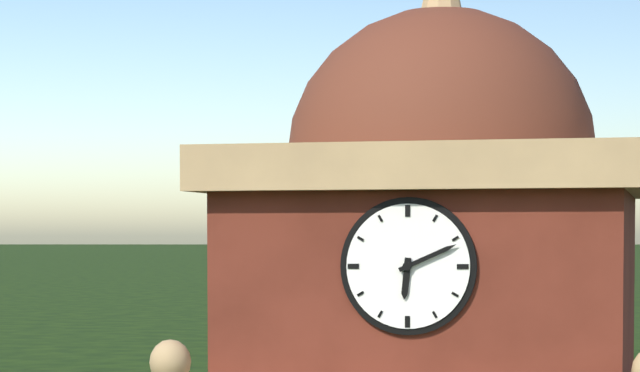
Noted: {"hour": 6, "minute": 11}
